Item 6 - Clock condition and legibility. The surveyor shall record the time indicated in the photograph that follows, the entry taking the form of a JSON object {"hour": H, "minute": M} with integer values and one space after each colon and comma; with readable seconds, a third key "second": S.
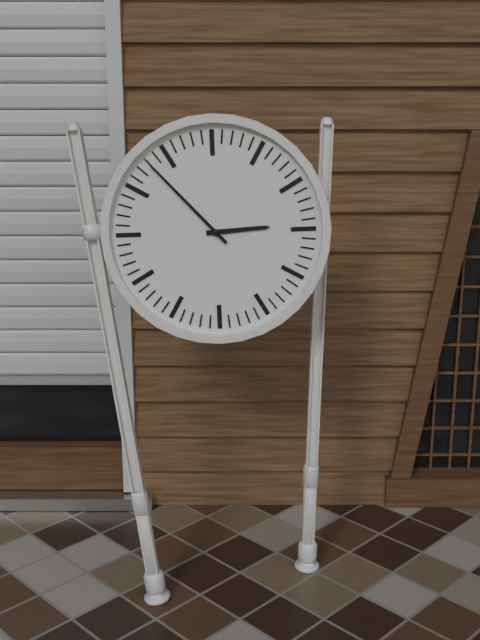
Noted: {"hour": 2, "minute": 53}
